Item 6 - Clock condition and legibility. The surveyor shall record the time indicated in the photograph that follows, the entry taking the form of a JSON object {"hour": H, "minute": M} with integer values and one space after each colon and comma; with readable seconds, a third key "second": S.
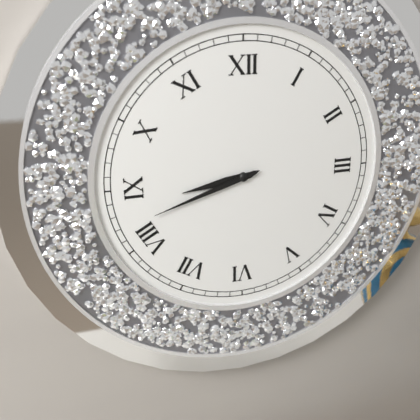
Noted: {"hour": 8, "minute": 42}
